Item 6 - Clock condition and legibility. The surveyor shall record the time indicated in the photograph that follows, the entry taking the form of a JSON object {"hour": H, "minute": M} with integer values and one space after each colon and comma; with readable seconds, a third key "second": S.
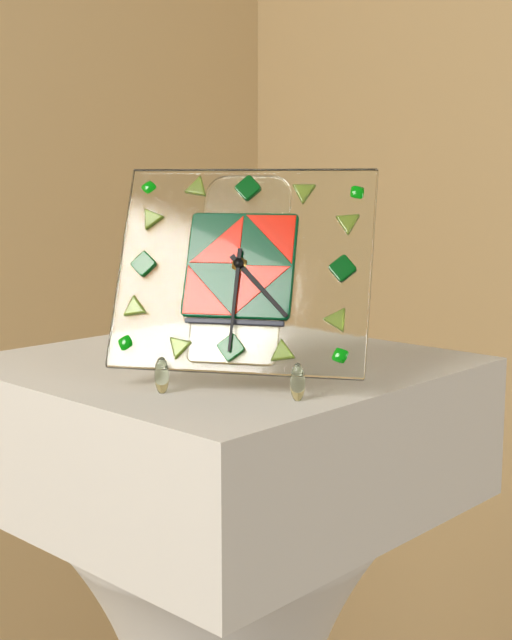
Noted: {"hour": 4, "minute": 30}
